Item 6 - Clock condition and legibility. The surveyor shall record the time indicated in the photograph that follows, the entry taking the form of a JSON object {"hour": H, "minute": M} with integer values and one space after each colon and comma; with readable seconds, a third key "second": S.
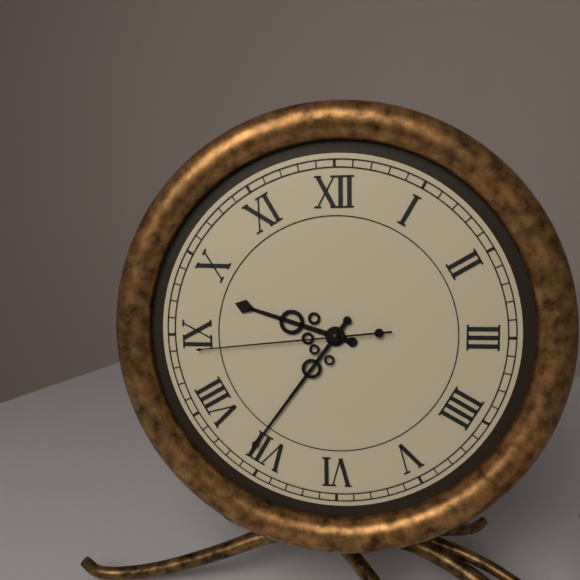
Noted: {"hour": 9, "minute": 36, "second": 44}
